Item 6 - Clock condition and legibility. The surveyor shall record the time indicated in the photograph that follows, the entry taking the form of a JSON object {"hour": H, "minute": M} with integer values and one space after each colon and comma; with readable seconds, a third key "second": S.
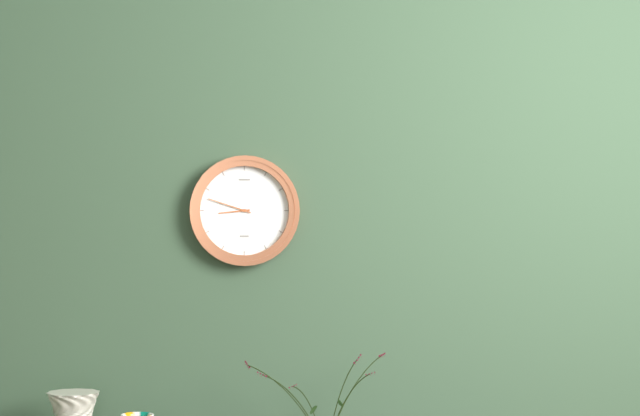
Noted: {"hour": 8, "minute": 48}
